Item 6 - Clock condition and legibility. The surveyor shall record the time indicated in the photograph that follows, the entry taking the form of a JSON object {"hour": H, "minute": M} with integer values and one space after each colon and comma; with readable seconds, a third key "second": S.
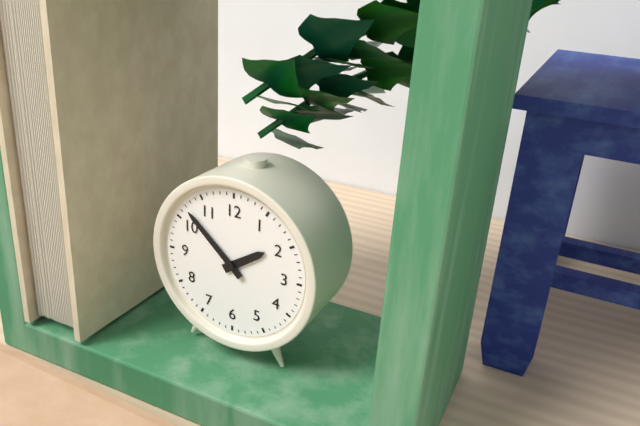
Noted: {"hour": 1, "minute": 52}
